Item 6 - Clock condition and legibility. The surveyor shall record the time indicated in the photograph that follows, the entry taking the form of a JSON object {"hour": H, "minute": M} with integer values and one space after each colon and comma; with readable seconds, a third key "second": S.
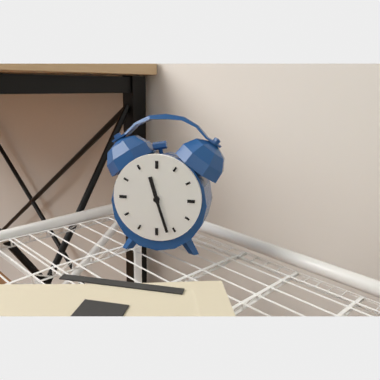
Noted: {"hour": 11, "minute": 27}
